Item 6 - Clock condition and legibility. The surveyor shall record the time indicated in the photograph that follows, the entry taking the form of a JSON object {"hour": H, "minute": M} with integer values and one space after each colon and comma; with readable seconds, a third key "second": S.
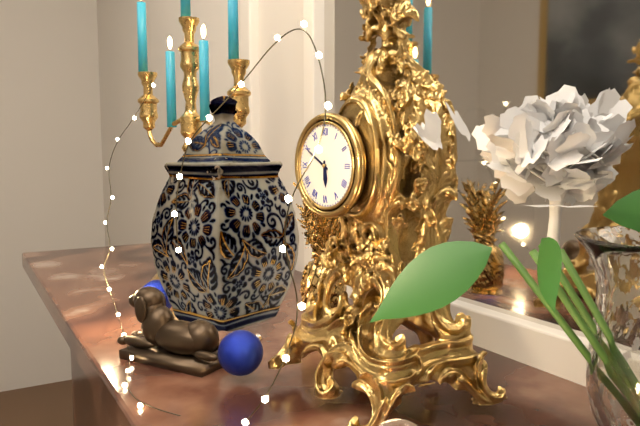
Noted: {"hour": 5, "minute": 50}
